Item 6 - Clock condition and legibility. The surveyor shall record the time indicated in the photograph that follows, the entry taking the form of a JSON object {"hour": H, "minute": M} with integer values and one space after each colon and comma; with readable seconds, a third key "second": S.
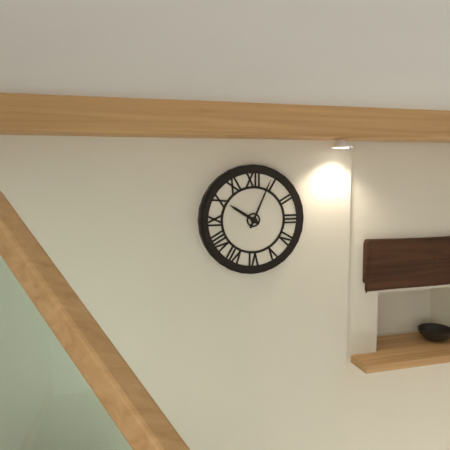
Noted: {"hour": 10, "minute": 4}
